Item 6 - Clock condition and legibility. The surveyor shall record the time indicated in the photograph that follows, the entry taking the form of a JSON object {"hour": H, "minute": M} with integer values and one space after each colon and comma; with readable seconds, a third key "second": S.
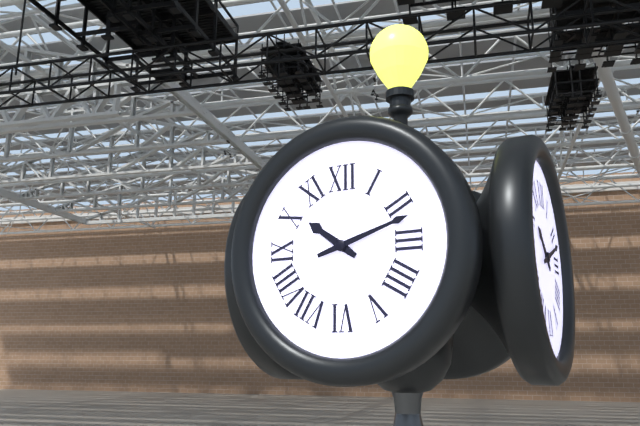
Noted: {"hour": 10, "minute": 12}
